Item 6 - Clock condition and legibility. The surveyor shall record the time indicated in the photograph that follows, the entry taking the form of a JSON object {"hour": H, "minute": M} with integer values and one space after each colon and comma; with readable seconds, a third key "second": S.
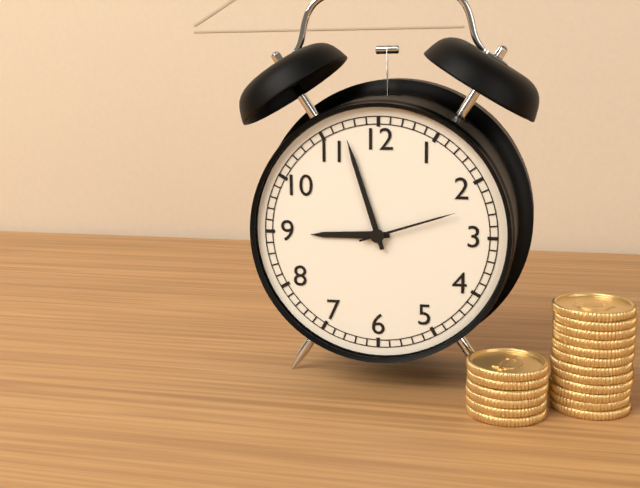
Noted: {"hour": 8, "minute": 57, "second": 12}
